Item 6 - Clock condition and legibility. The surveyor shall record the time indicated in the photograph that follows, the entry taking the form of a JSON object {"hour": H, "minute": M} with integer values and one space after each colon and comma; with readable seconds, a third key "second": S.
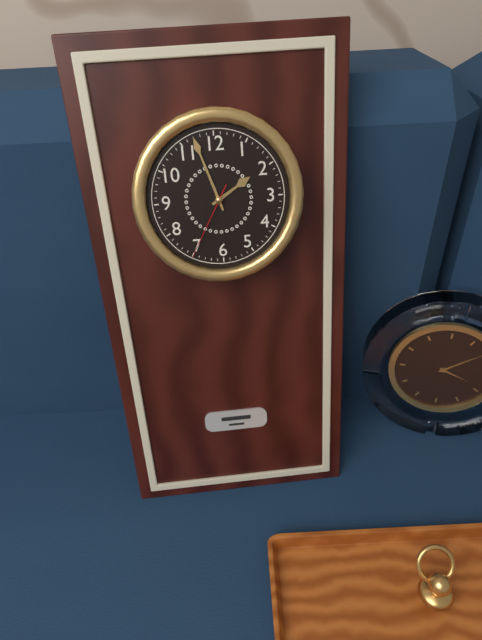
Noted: {"hour": 1, "minute": 57, "second": 35}
